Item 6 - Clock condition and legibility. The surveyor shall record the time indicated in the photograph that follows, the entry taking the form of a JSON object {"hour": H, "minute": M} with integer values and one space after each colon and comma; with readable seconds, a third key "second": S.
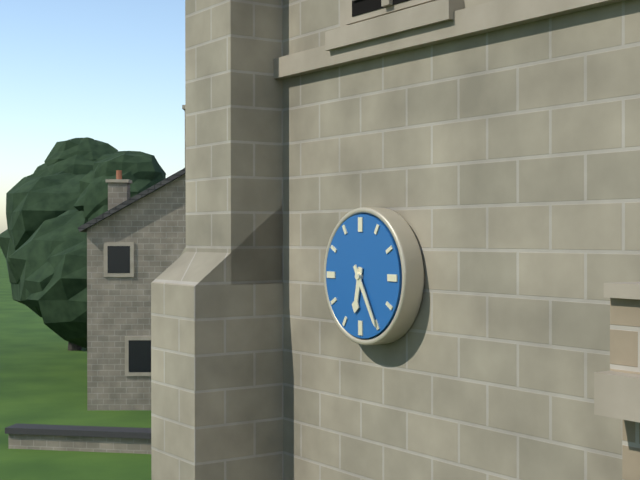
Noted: {"hour": 6, "minute": 25}
